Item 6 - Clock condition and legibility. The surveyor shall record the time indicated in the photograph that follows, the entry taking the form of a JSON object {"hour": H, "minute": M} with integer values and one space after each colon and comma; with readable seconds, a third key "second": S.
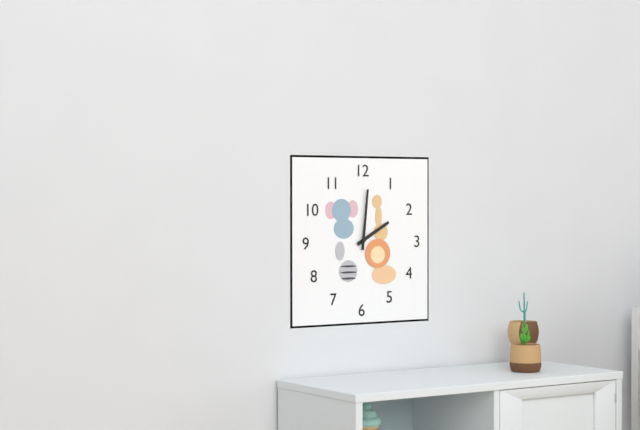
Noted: {"hour": 2, "minute": 1}
